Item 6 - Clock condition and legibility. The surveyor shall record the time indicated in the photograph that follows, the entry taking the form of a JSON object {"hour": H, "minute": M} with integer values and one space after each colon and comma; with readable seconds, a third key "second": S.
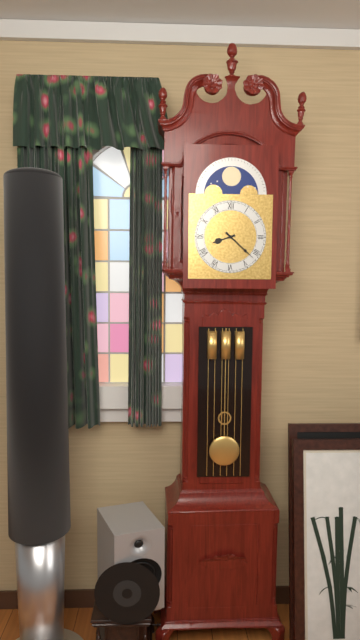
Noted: {"hour": 8, "minute": 22}
